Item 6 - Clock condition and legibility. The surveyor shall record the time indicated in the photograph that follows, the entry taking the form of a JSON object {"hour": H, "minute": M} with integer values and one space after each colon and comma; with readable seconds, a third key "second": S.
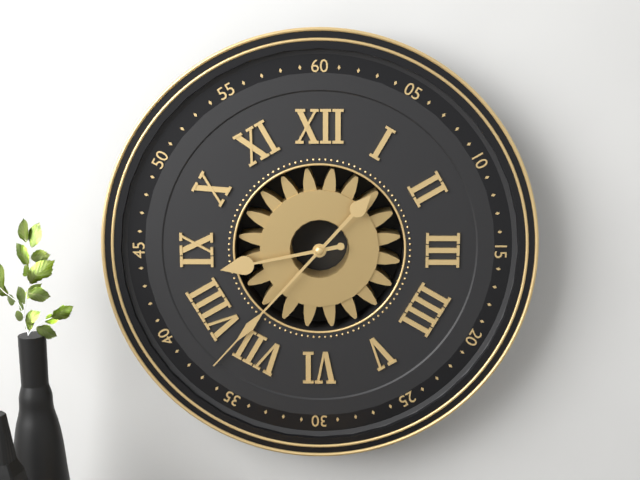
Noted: {"hour": 8, "minute": 37}
